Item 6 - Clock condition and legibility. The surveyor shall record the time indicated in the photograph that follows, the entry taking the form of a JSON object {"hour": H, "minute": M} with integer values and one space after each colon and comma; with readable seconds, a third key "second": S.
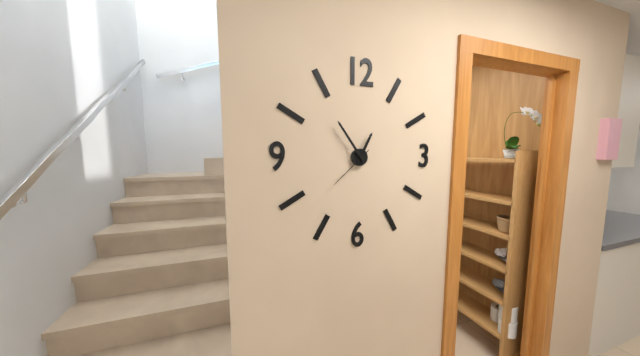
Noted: {"hour": 12, "minute": 54}
